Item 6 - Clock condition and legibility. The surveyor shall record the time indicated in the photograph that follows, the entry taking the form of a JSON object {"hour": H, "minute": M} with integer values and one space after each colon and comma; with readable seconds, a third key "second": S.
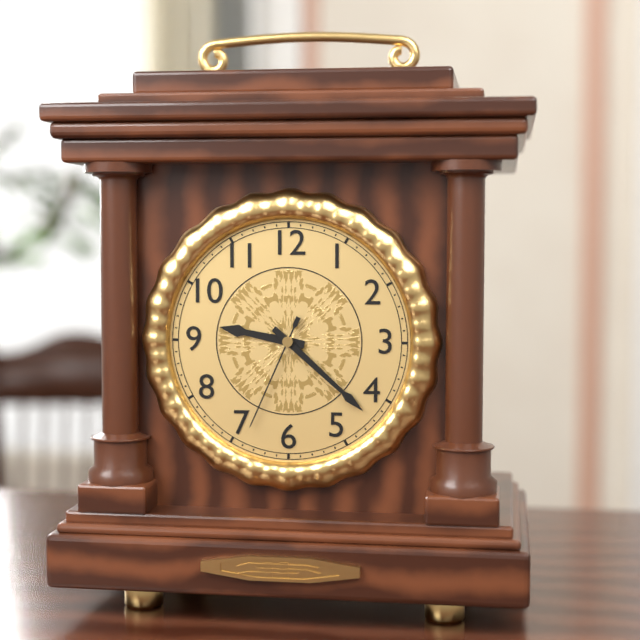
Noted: {"hour": 9, "minute": 22, "second": 34}
